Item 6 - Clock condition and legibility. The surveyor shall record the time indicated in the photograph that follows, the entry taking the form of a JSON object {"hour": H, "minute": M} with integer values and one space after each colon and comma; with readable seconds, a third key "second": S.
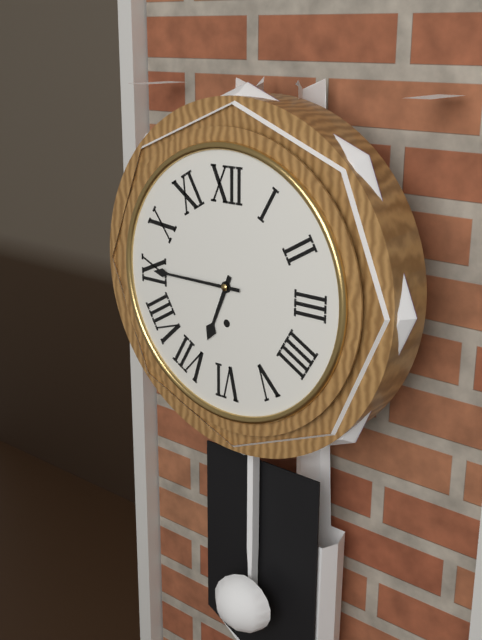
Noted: {"hour": 6, "minute": 45}
